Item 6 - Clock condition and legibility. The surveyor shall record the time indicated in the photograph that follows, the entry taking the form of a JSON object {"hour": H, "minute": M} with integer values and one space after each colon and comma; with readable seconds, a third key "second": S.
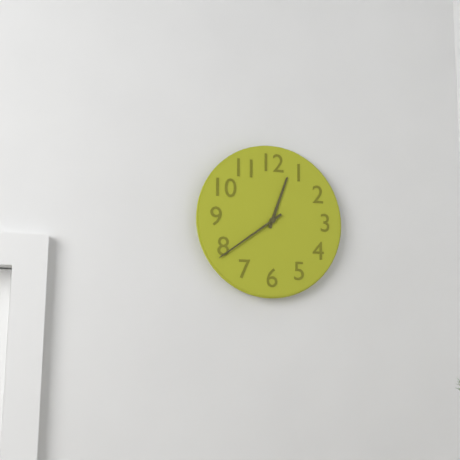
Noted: {"hour": 12, "minute": 39}
